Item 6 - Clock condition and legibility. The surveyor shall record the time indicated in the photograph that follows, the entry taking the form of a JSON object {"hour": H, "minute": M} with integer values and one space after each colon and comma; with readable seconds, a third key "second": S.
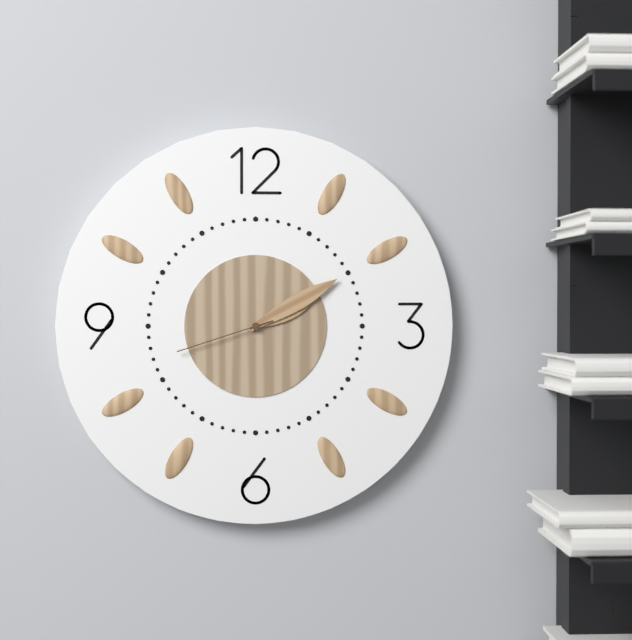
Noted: {"hour": 2, "minute": 10, "second": 42}
